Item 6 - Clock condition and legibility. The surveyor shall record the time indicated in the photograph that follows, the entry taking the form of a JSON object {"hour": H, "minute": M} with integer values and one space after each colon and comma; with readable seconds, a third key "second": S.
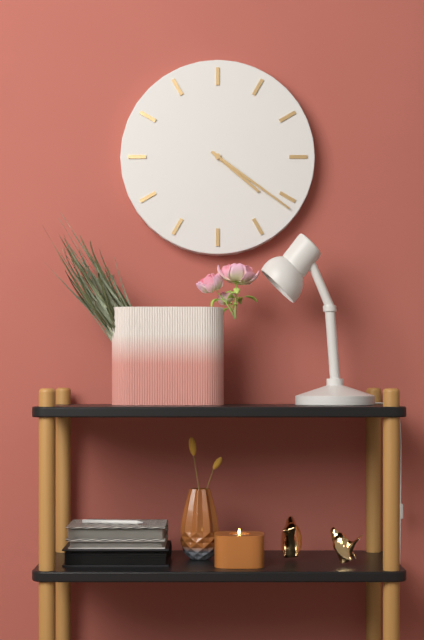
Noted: {"hour": 4, "minute": 21}
